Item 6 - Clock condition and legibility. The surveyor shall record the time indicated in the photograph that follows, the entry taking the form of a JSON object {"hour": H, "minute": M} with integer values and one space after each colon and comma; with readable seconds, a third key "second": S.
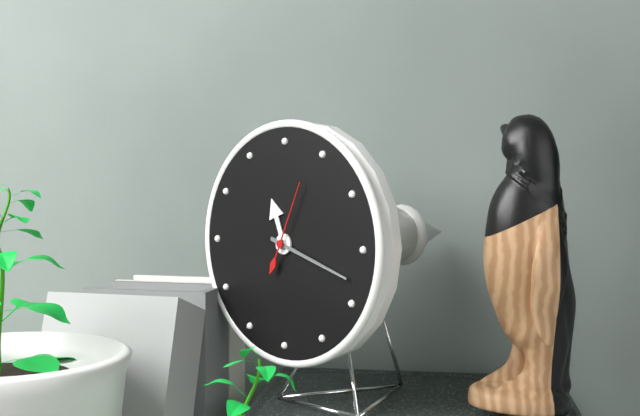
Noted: {"hour": 11, "minute": 18, "second": 4}
